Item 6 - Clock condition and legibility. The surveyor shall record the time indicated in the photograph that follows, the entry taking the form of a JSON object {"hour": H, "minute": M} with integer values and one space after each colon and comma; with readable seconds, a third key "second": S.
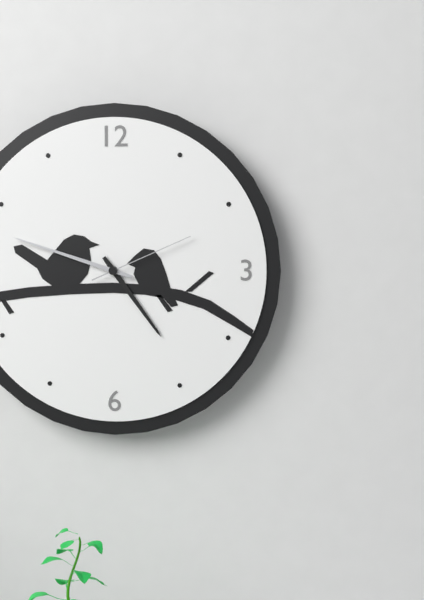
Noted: {"hour": 4, "minute": 48, "second": 11}
